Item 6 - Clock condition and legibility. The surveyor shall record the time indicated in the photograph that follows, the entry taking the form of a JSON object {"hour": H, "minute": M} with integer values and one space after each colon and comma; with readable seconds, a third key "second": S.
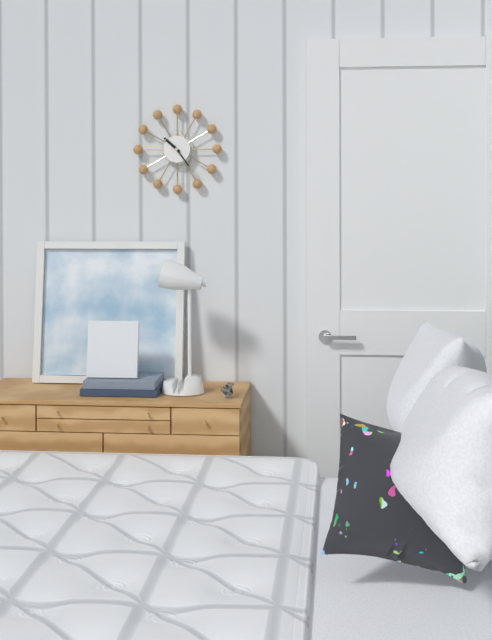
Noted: {"hour": 10, "minute": 24}
